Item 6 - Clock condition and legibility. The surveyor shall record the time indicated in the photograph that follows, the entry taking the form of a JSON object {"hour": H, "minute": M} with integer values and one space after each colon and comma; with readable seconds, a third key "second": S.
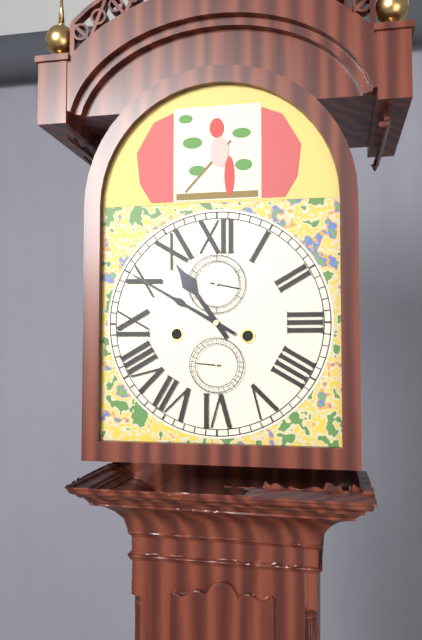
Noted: {"hour": 10, "minute": 50}
